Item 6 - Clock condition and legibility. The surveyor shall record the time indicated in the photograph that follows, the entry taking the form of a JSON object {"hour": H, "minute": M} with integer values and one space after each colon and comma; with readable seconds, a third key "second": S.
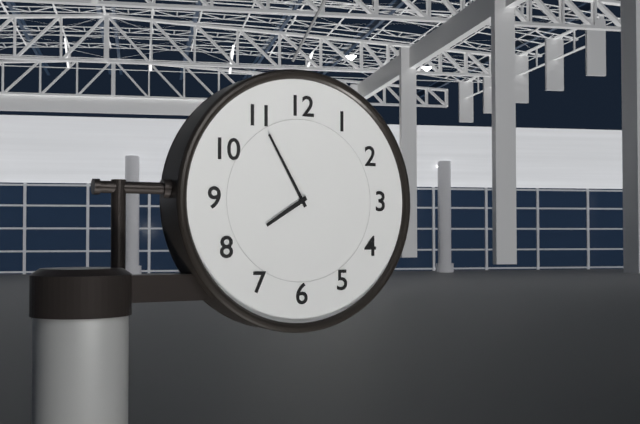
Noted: {"hour": 7, "minute": 55}
